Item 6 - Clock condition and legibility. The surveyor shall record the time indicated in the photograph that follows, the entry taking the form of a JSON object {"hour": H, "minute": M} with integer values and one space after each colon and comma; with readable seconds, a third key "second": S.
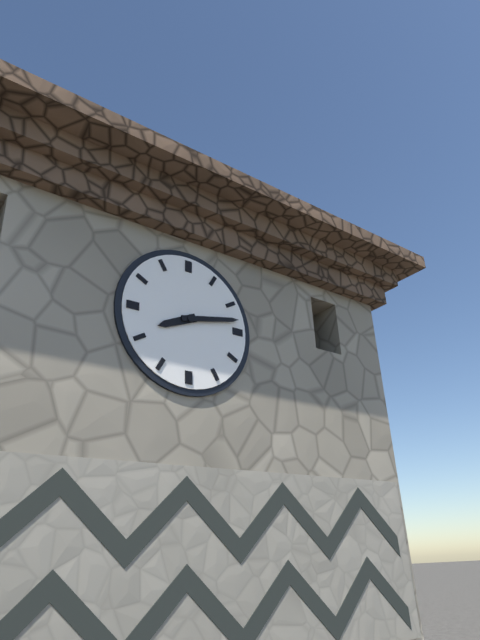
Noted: {"hour": 8, "minute": 13}
